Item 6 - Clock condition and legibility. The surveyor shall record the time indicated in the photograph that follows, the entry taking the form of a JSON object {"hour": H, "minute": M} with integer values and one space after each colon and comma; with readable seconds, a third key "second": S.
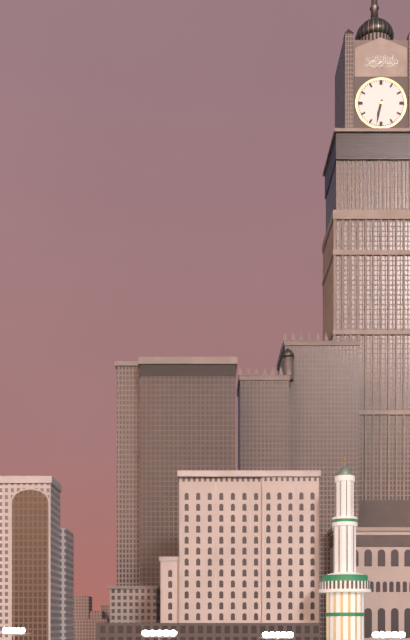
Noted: {"hour": 6, "minute": 32}
